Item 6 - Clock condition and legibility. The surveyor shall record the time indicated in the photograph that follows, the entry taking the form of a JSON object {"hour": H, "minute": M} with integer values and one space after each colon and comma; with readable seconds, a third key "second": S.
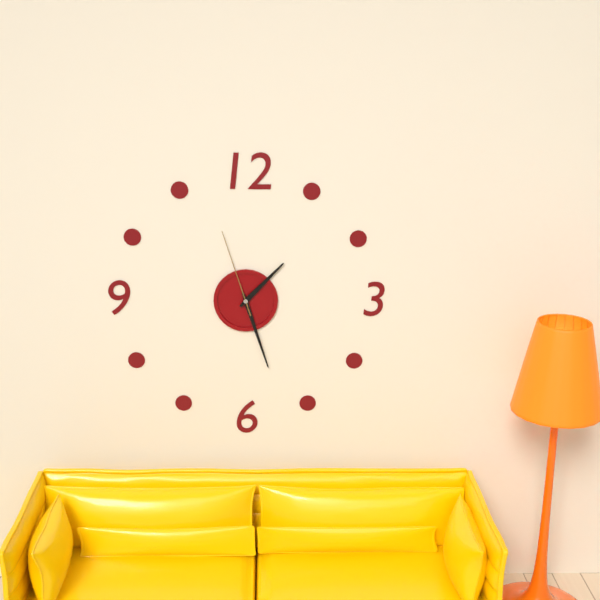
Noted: {"hour": 1, "minute": 27, "second": 57}
